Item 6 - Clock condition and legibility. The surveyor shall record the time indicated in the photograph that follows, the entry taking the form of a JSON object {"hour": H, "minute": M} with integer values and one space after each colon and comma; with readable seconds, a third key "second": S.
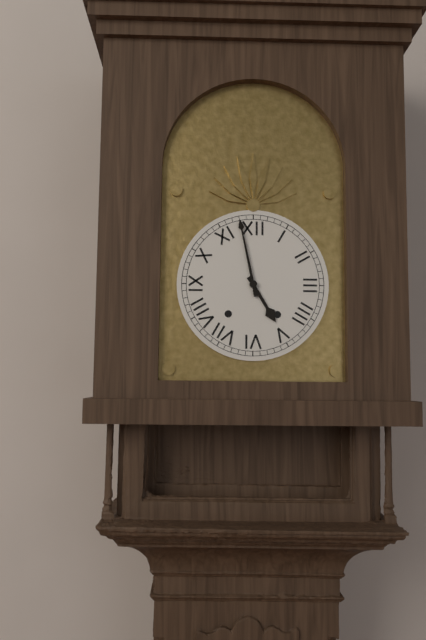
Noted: {"hour": 4, "minute": 58}
